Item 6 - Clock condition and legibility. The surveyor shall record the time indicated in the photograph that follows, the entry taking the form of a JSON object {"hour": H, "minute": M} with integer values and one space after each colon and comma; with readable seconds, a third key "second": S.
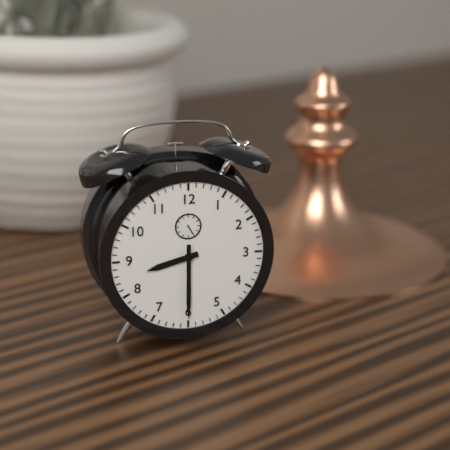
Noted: {"hour": 8, "minute": 30}
